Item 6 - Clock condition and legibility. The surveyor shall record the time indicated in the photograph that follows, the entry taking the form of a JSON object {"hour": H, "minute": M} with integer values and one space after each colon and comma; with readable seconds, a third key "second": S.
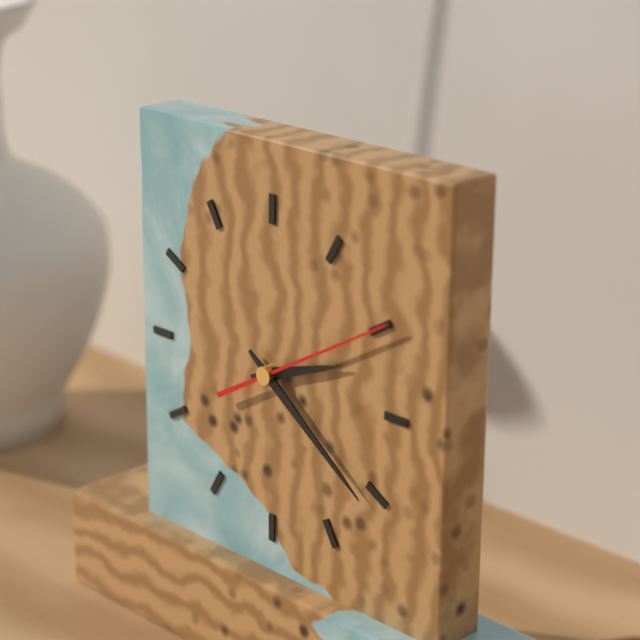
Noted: {"hour": 2, "minute": 21, "second": 10}
